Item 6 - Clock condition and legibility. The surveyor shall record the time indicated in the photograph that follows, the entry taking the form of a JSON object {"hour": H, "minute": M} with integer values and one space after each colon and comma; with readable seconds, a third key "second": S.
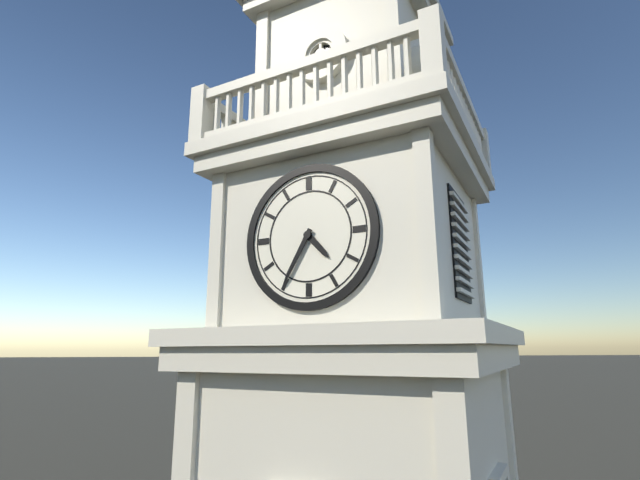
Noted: {"hour": 4, "minute": 35}
